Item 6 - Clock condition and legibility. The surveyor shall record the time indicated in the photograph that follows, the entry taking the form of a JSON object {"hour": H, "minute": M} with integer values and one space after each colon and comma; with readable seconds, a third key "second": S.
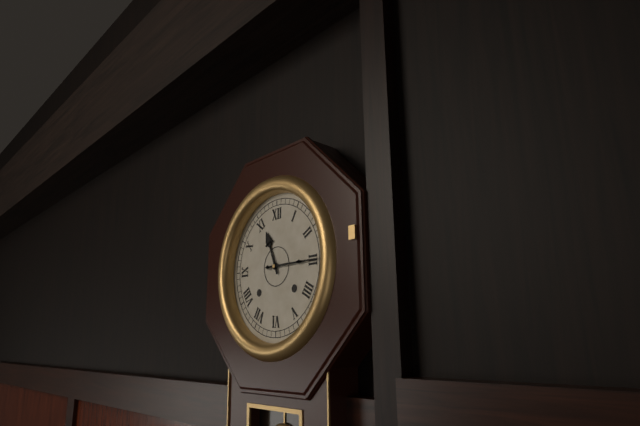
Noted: {"hour": 11, "minute": 15}
